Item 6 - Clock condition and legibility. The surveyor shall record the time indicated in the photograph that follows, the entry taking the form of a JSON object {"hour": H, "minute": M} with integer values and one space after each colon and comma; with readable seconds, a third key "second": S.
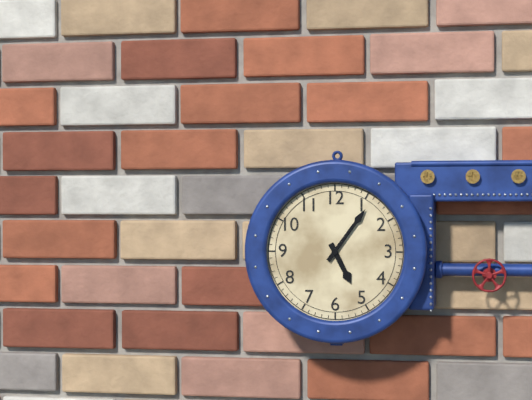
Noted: {"hour": 5, "minute": 6}
